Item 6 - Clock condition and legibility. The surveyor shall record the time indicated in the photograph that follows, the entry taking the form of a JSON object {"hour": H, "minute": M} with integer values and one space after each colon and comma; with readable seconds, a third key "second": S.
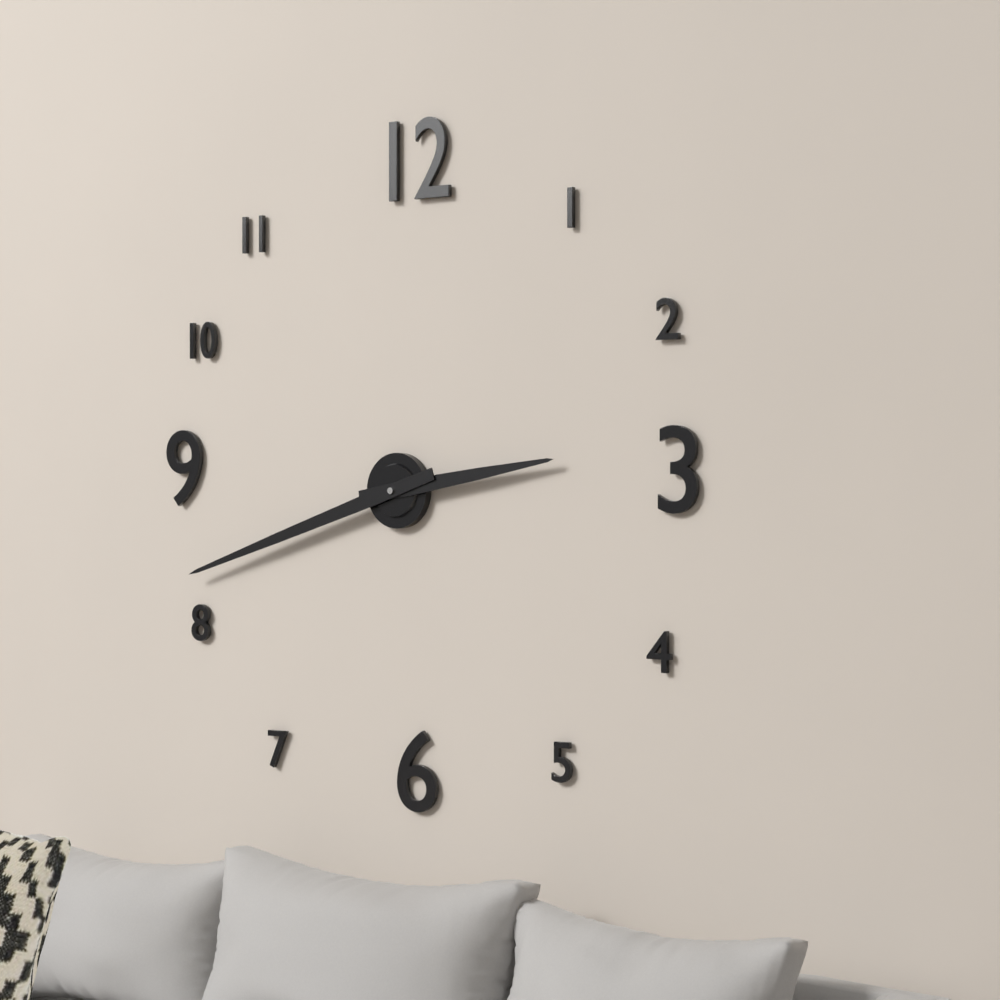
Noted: {"hour": 2, "minute": 42}
